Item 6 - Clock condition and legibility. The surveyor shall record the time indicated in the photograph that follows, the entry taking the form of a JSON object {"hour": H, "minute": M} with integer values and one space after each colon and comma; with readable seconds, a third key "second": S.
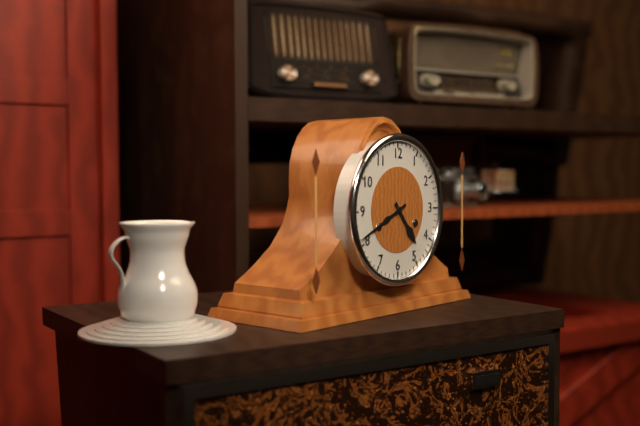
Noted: {"hour": 4, "minute": 41}
